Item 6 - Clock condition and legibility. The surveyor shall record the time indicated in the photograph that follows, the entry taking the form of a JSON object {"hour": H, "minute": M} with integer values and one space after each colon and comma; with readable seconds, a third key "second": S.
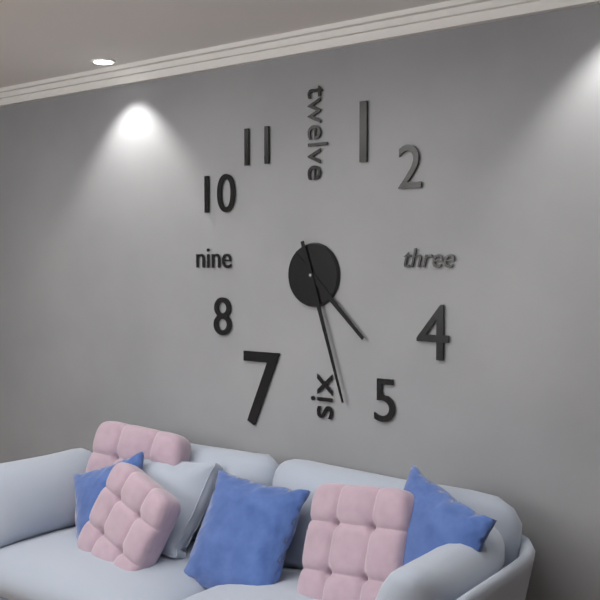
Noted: {"hour": 4, "minute": 27}
